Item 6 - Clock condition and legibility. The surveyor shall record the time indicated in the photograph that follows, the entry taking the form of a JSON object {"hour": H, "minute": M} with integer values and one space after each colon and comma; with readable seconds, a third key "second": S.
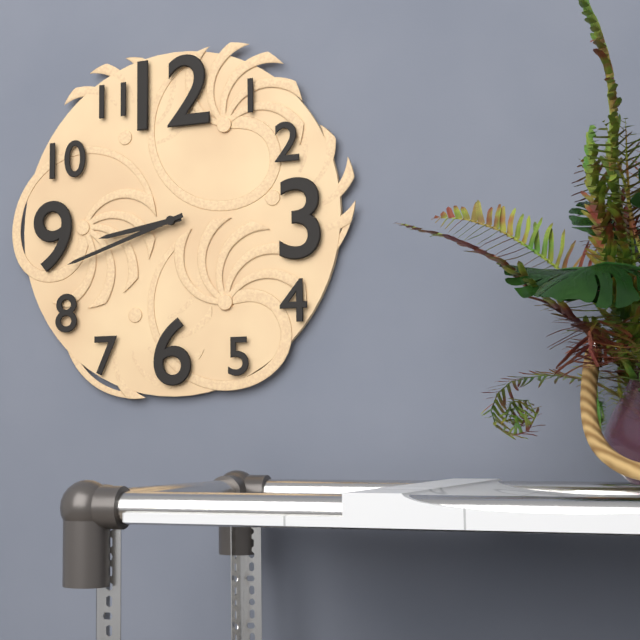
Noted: {"hour": 8, "minute": 42}
